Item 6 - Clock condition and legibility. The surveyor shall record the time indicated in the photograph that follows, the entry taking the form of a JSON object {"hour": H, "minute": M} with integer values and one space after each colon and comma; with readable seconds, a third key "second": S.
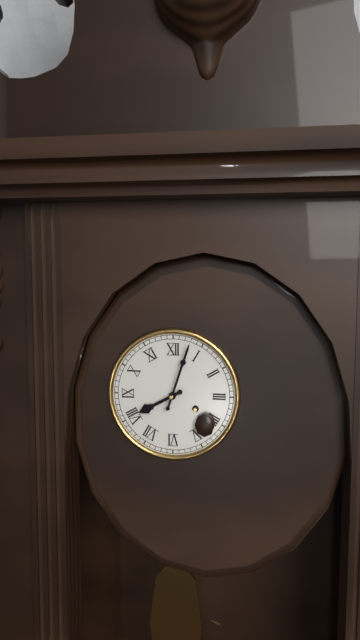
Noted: {"hour": 8, "minute": 3}
